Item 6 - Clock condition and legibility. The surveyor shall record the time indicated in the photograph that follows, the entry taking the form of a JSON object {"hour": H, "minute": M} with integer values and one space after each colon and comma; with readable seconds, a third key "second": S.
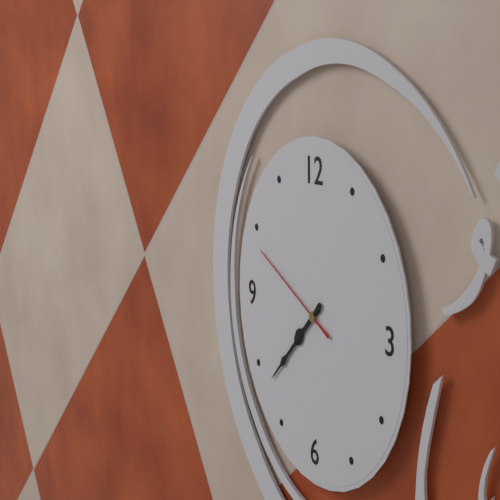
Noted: {"hour": 7, "minute": 38, "second": 49}
